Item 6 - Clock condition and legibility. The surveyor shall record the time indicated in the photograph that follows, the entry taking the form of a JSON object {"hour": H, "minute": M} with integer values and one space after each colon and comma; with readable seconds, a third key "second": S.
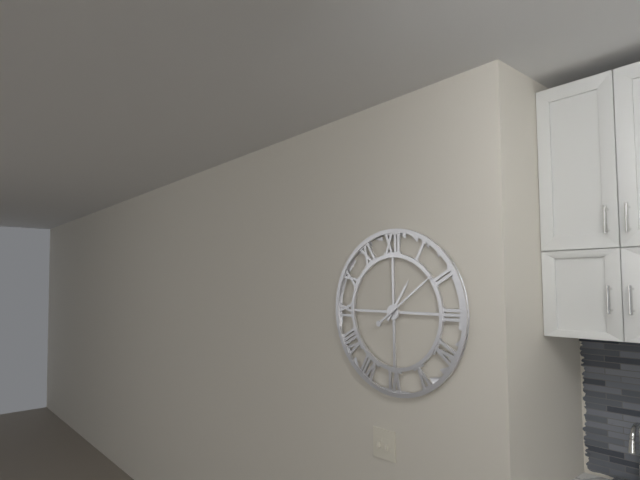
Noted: {"hour": 1, "minute": 9}
